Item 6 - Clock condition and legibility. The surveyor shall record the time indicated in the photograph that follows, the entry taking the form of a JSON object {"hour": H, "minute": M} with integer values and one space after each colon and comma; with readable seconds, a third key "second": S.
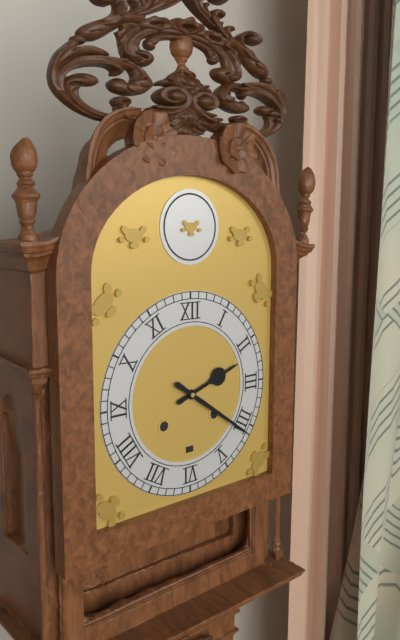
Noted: {"hour": 2, "minute": 21}
